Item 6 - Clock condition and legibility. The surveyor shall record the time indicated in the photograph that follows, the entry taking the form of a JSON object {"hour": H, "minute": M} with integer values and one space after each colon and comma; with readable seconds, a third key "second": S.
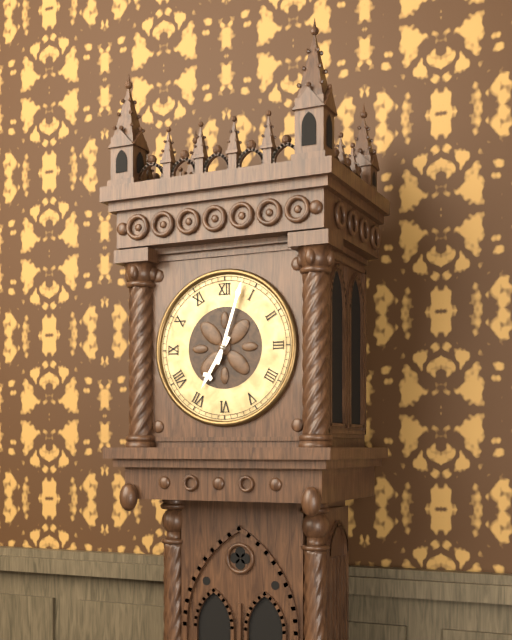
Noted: {"hour": 7, "minute": 3}
